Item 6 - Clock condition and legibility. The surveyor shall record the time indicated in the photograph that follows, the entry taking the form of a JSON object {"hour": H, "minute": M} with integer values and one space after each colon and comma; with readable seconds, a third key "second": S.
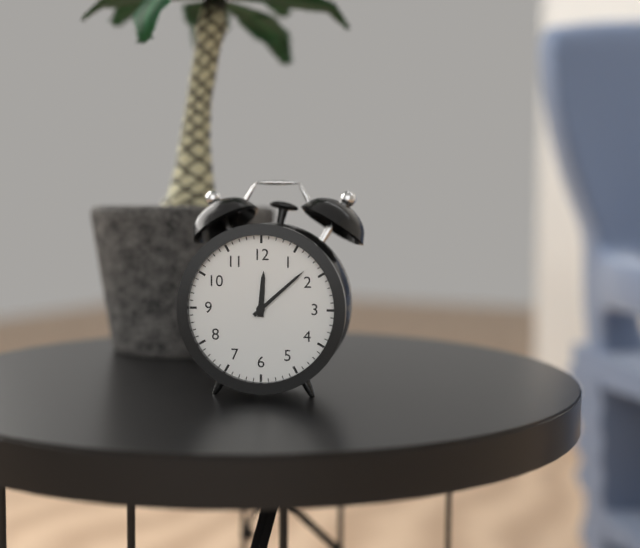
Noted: {"hour": 12, "minute": 8}
